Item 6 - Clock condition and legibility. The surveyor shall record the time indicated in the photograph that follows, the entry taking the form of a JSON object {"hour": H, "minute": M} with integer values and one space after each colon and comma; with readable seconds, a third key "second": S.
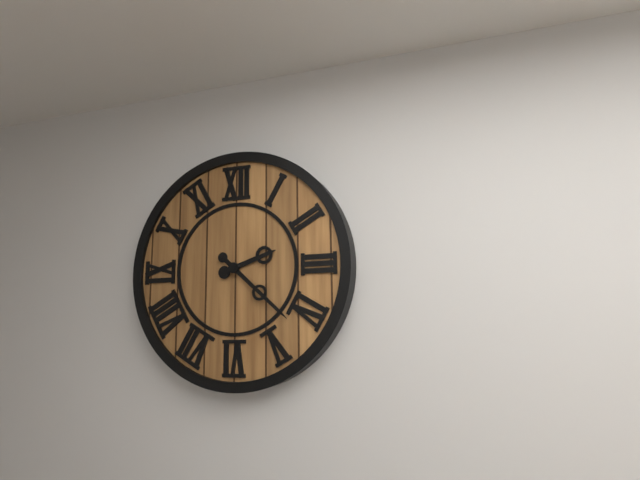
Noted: {"hour": 2, "minute": 22}
